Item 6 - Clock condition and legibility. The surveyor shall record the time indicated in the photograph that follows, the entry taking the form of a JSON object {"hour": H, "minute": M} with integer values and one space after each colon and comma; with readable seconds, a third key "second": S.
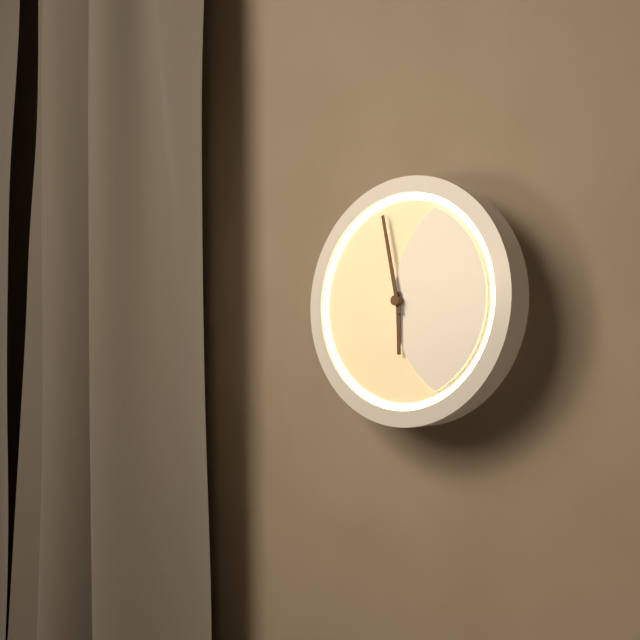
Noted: {"hour": 5, "minute": 58}
